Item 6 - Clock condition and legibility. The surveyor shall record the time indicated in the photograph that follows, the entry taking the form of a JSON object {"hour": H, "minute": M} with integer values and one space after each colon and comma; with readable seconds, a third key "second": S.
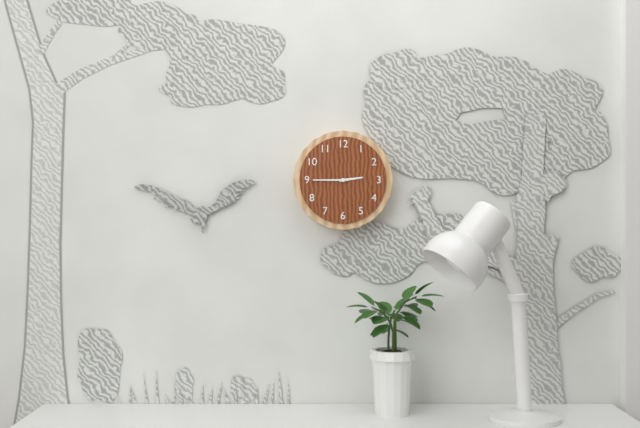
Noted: {"hour": 2, "minute": 45}
